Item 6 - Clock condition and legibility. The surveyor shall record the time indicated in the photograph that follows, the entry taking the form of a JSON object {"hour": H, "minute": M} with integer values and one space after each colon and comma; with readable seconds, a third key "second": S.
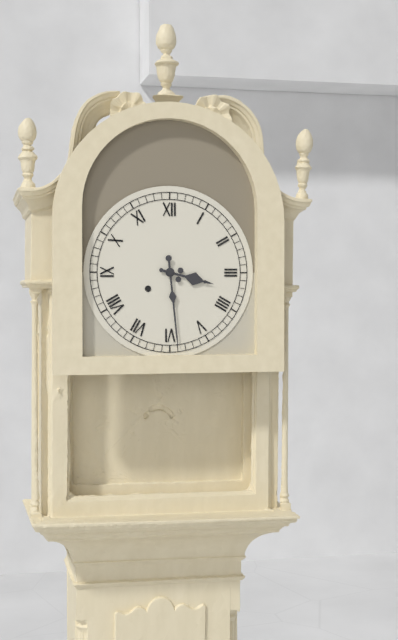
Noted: {"hour": 3, "minute": 29}
